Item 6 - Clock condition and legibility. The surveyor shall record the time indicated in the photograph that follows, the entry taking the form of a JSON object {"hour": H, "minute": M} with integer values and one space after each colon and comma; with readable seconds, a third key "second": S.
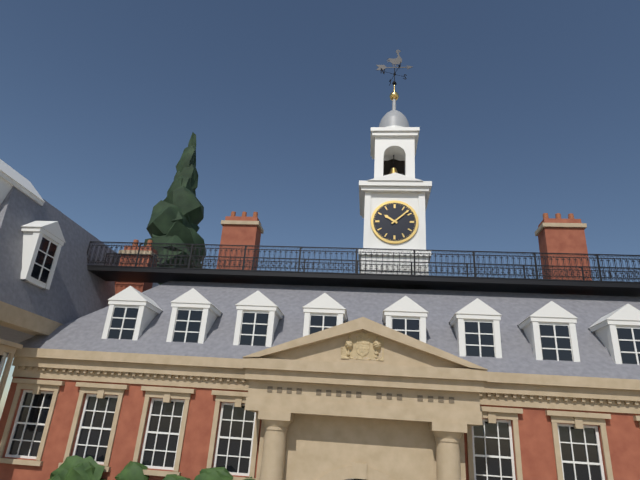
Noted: {"hour": 10, "minute": 8}
